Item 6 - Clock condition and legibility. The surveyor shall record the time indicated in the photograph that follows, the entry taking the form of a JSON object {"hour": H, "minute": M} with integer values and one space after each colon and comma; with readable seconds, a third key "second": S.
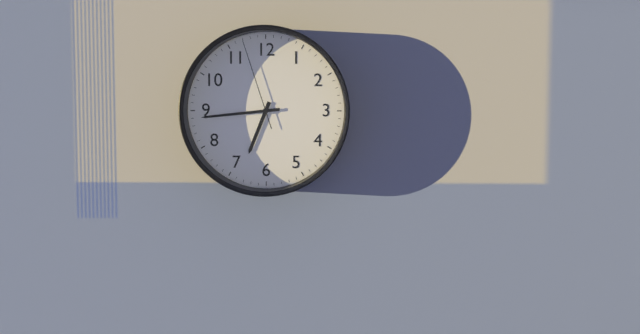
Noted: {"hour": 6, "minute": 44, "second": 57}
